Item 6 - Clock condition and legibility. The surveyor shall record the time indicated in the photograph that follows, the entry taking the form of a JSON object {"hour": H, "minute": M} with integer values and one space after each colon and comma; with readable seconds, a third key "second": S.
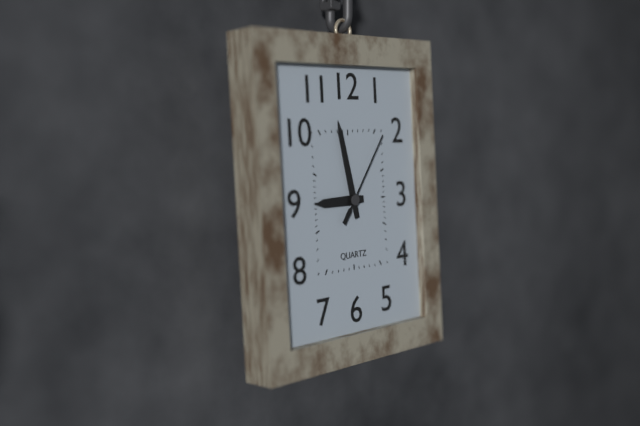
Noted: {"hour": 8, "minute": 58, "second": 6}
